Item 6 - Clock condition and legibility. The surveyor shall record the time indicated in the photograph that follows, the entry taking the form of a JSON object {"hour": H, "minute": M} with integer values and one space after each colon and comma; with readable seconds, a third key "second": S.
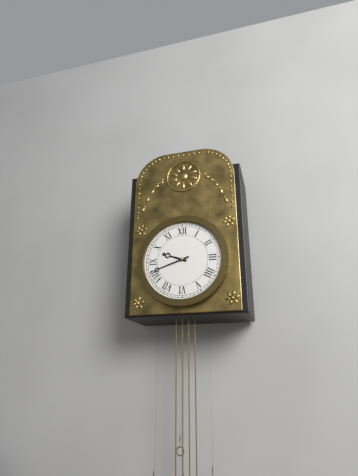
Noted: {"hour": 9, "minute": 42}
